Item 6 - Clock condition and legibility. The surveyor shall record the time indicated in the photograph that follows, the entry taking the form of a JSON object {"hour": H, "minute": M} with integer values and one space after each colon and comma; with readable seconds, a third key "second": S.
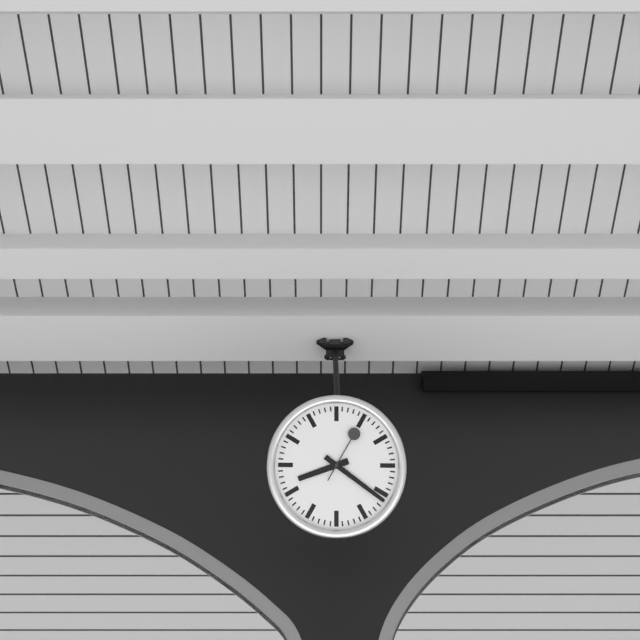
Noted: {"hour": 8, "minute": 21, "second": 5}
